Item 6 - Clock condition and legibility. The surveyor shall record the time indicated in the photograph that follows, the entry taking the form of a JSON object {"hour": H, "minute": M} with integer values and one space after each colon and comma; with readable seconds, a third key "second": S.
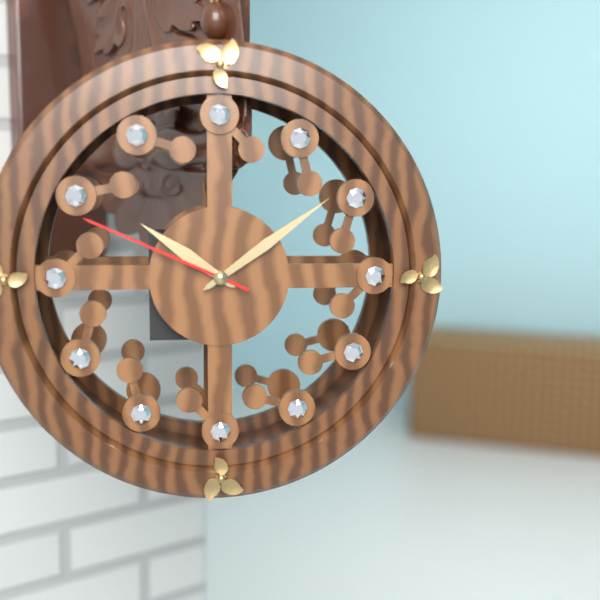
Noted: {"hour": 10, "minute": 9, "second": 49}
